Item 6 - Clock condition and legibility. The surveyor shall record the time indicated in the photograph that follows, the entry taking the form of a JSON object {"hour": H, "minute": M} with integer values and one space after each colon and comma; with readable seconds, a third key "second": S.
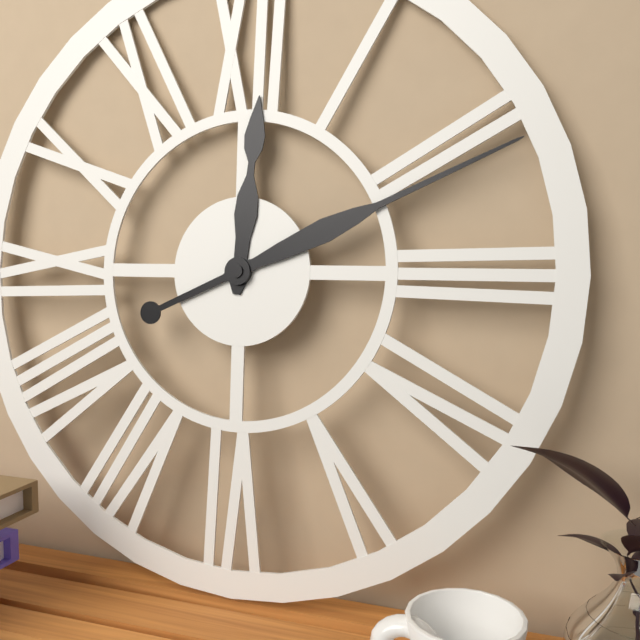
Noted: {"hour": 12, "minute": 11}
